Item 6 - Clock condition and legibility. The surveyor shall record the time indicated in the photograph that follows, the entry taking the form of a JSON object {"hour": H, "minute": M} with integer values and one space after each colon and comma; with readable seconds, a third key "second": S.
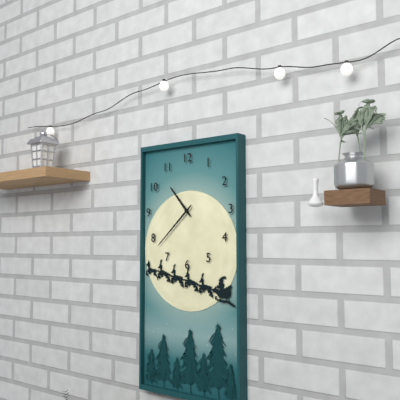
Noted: {"hour": 10, "minute": 38}
